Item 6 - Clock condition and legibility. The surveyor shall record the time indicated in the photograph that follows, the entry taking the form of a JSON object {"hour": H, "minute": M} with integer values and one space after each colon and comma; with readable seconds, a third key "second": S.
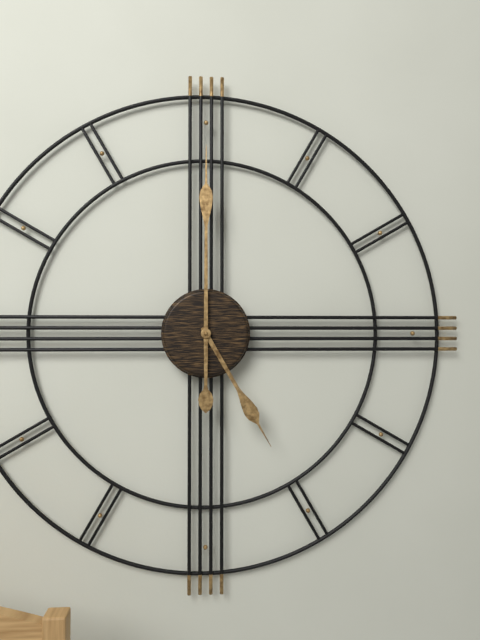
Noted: {"hour": 5, "minute": 0}
